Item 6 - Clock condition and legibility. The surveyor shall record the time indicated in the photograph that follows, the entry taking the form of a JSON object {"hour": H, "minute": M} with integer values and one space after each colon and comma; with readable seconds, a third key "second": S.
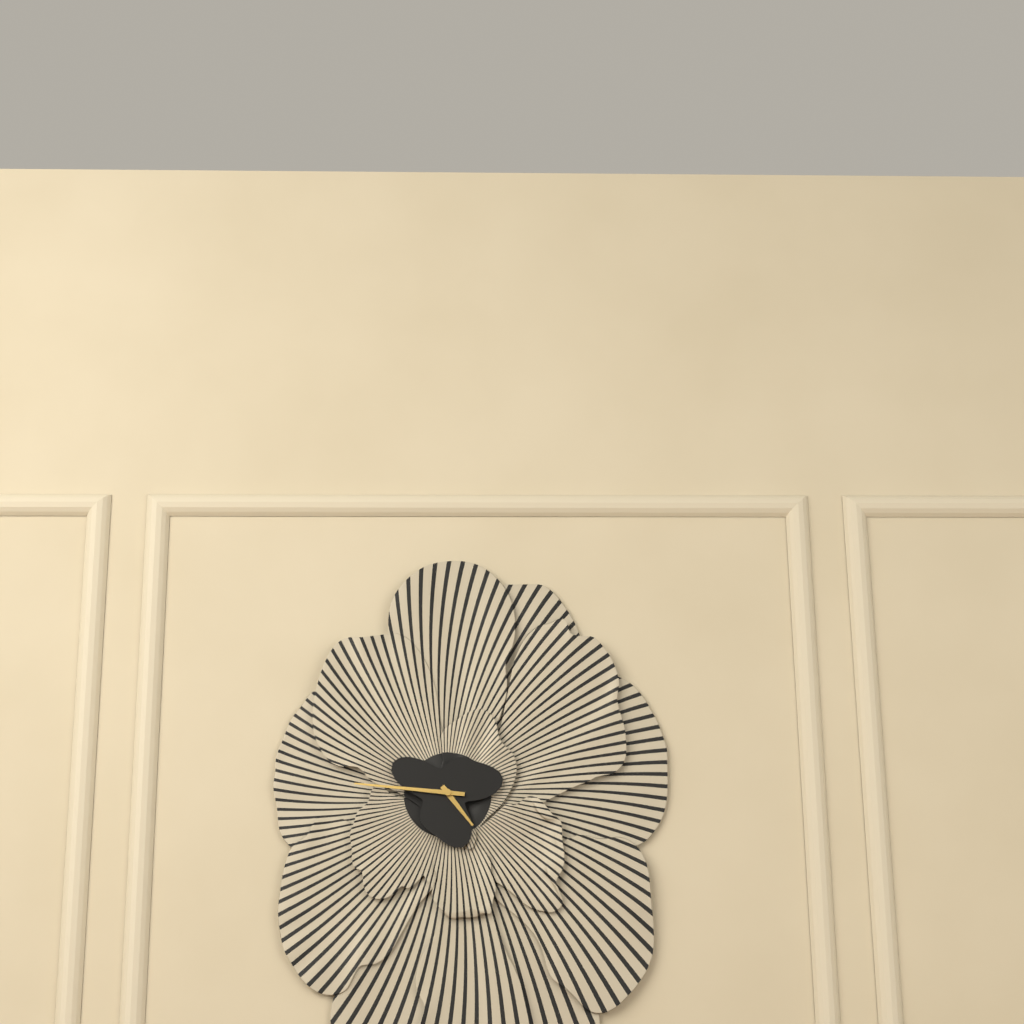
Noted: {"hour": 4, "minute": 46}
